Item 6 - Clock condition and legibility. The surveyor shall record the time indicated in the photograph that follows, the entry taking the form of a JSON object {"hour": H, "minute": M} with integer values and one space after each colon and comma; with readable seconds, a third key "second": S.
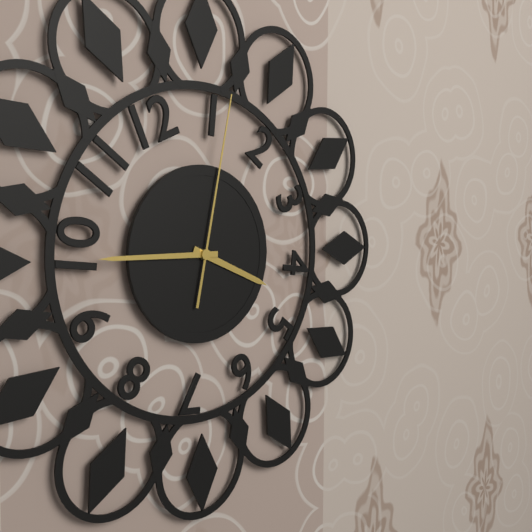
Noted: {"hour": 3, "minute": 45, "second": 2}
